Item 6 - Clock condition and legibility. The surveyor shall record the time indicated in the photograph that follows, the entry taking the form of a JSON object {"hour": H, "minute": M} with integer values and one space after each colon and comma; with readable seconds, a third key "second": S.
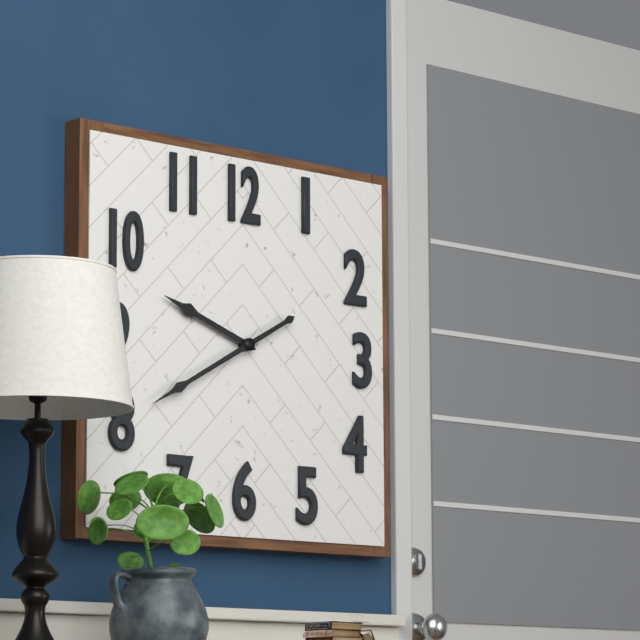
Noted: {"hour": 9, "minute": 40}
